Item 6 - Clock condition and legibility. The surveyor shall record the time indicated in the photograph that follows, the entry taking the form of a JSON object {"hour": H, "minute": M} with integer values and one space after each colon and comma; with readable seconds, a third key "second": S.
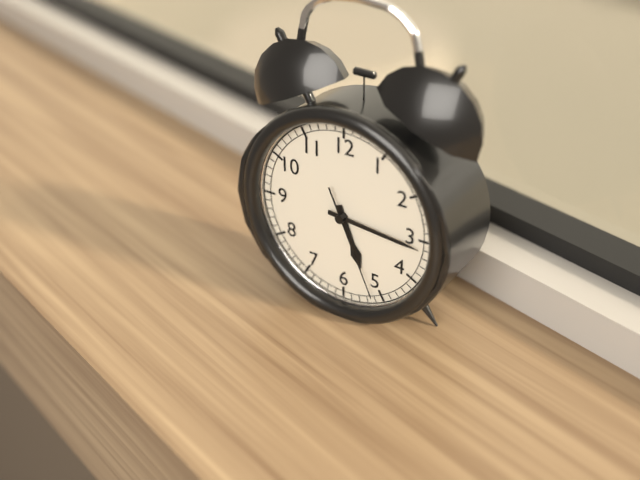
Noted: {"hour": 5, "minute": 16, "second": 26}
